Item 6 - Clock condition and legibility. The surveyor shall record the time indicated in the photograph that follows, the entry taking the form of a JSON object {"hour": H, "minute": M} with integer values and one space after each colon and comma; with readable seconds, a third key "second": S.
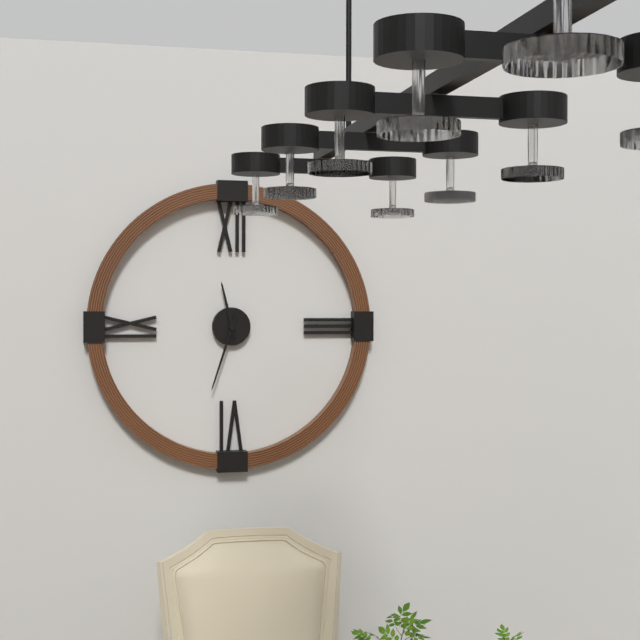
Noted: {"hour": 11, "minute": 33}
